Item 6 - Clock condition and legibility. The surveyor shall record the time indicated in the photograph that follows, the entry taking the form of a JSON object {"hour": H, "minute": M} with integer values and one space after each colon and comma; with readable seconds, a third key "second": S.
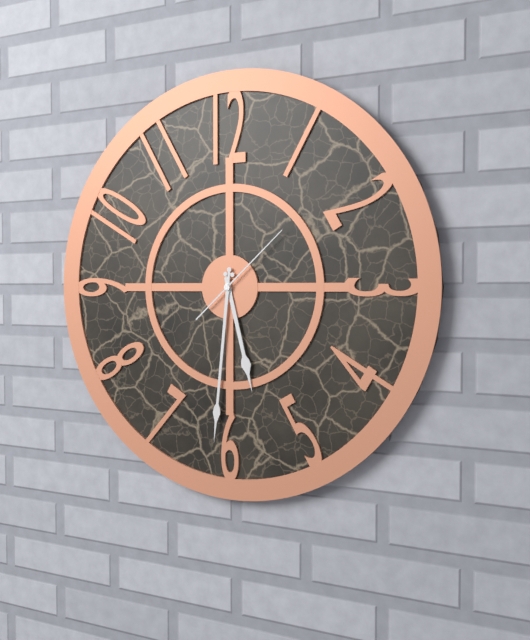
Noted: {"hour": 5, "minute": 31, "second": 8}
